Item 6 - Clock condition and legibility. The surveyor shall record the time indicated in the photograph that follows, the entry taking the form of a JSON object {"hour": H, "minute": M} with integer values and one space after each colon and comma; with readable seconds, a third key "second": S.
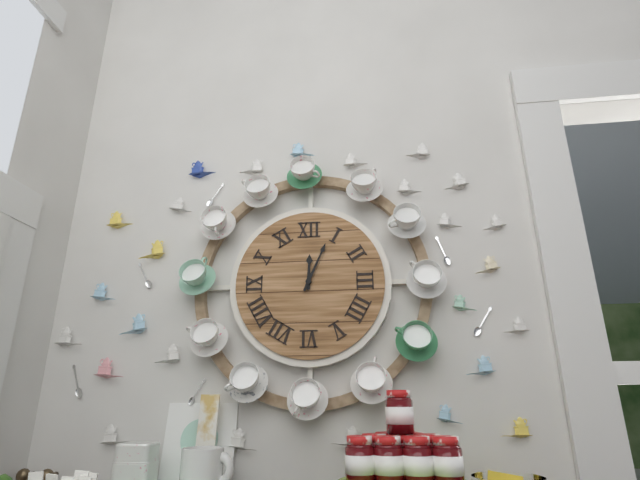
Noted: {"hour": 12, "minute": 4}
